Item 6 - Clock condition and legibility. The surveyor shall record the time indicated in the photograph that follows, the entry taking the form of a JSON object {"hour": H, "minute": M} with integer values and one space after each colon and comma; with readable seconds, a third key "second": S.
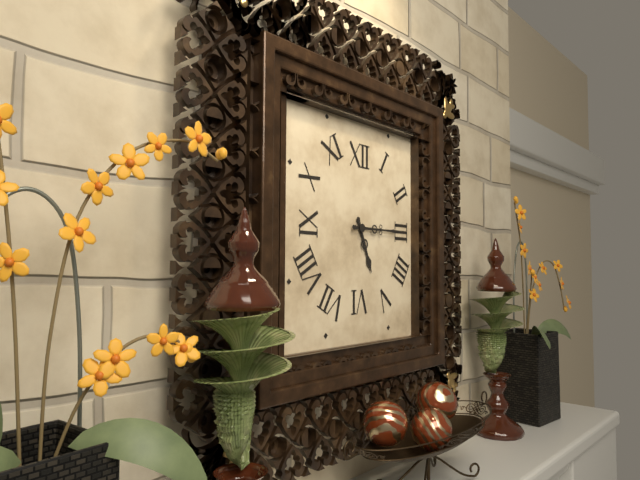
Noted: {"hour": 5, "minute": 15}
